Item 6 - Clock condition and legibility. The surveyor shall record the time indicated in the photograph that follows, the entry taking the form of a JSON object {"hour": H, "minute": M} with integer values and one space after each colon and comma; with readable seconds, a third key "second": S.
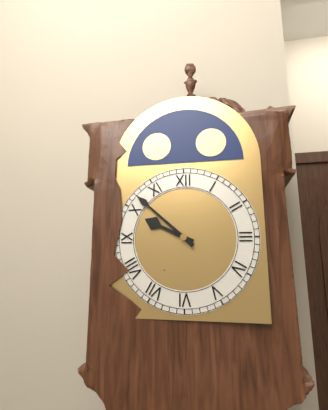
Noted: {"hour": 9, "minute": 52}
